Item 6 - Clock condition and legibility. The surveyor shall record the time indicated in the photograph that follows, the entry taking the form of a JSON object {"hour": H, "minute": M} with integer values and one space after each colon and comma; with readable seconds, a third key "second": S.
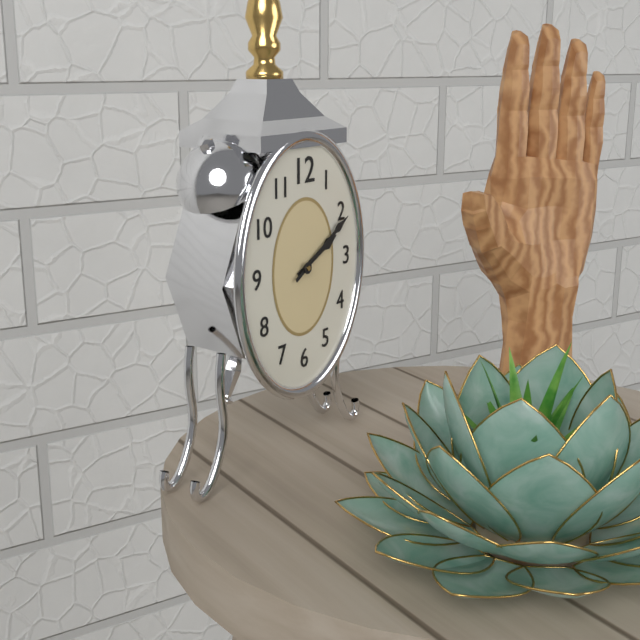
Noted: {"hour": 2, "minute": 10}
